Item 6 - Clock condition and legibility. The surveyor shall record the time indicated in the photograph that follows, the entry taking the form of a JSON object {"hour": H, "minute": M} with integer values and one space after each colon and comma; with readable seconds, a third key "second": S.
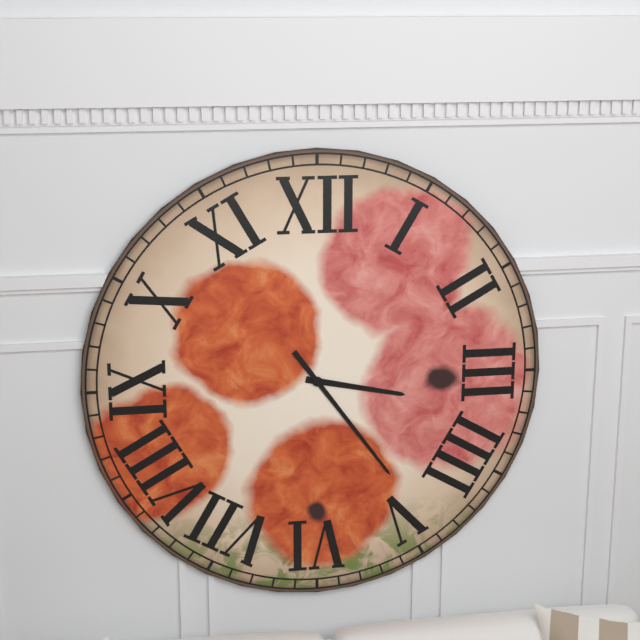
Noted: {"hour": 3, "minute": 24}
